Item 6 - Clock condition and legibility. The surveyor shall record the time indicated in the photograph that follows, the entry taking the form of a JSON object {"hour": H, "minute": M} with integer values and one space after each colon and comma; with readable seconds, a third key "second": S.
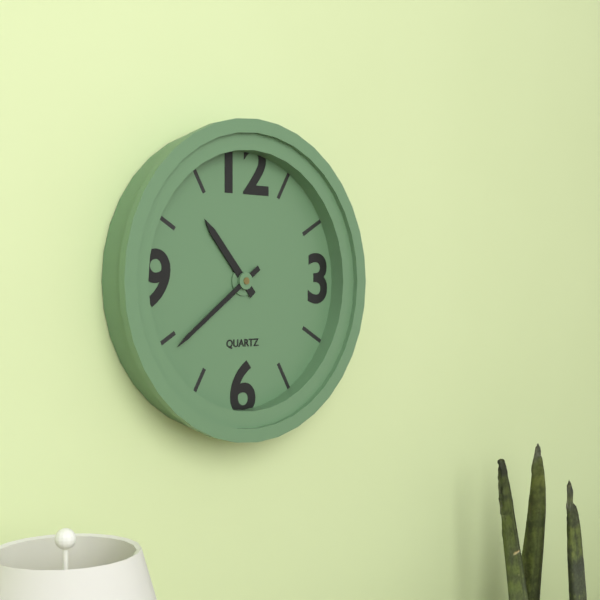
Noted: {"hour": 10, "minute": 39}
